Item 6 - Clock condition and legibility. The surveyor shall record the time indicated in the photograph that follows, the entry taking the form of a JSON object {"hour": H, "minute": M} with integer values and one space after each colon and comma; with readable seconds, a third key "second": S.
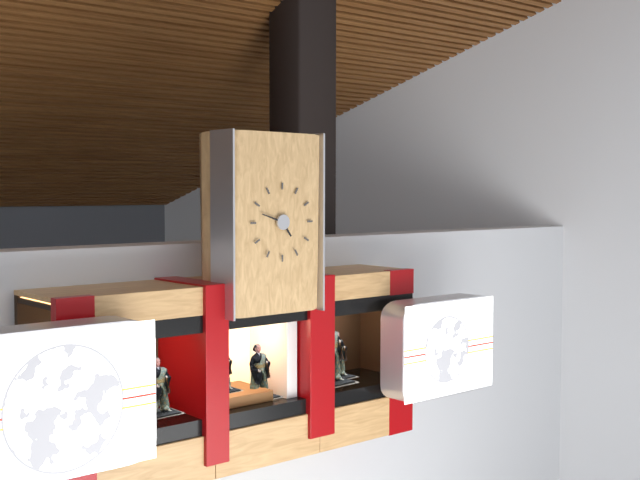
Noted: {"hour": 4, "minute": 48}
